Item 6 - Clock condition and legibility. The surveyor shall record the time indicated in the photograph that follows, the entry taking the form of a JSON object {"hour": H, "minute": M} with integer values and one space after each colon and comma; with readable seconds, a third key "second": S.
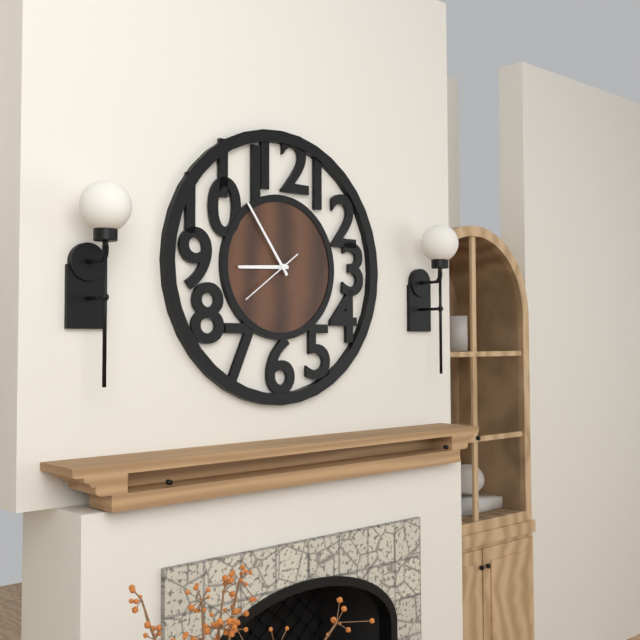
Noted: {"hour": 8, "minute": 54, "second": 39}
